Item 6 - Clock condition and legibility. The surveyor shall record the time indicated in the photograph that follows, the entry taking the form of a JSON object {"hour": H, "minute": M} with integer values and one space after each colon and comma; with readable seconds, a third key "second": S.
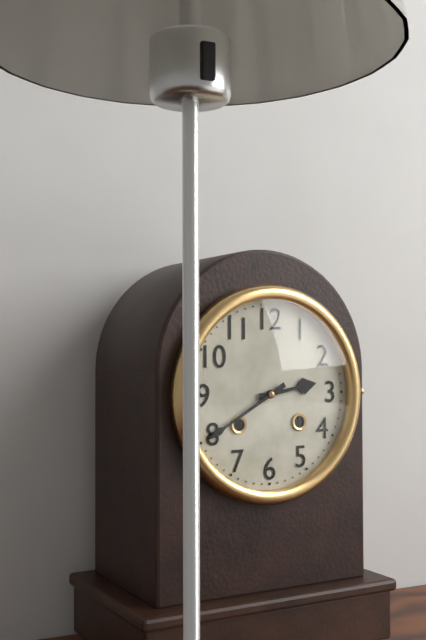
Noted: {"hour": 2, "minute": 40}
